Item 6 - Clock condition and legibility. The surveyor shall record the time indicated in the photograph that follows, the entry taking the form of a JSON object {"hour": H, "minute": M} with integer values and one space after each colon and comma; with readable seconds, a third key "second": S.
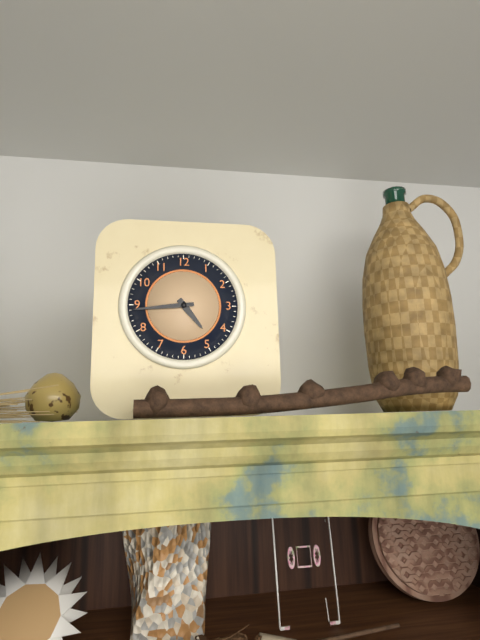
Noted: {"hour": 4, "minute": 44}
